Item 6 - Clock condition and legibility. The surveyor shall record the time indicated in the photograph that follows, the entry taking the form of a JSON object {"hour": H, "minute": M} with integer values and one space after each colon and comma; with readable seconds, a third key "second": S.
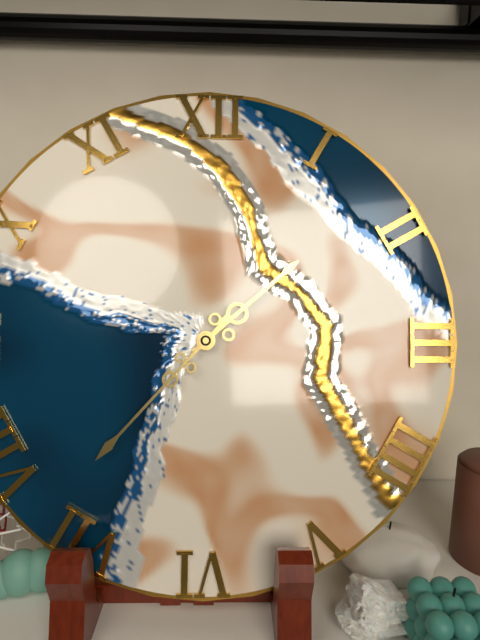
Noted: {"hour": 1, "minute": 37}
